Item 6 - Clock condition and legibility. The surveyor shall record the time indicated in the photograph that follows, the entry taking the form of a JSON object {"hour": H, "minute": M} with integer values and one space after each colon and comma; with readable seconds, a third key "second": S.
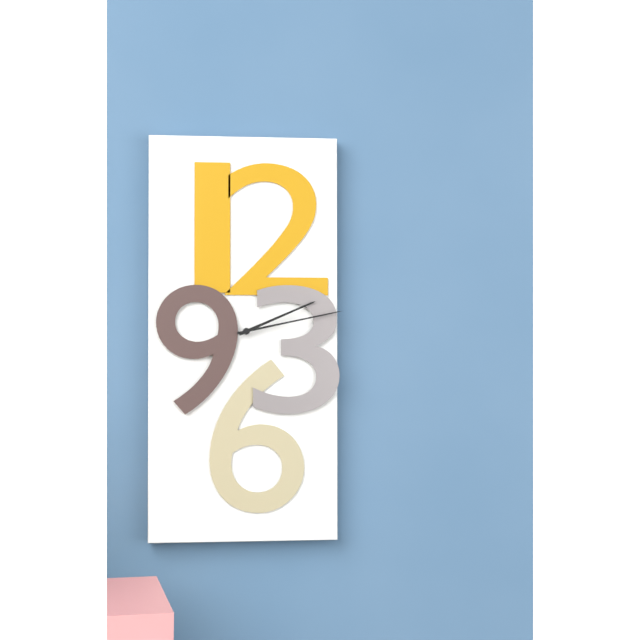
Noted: {"hour": 2, "minute": 13}
